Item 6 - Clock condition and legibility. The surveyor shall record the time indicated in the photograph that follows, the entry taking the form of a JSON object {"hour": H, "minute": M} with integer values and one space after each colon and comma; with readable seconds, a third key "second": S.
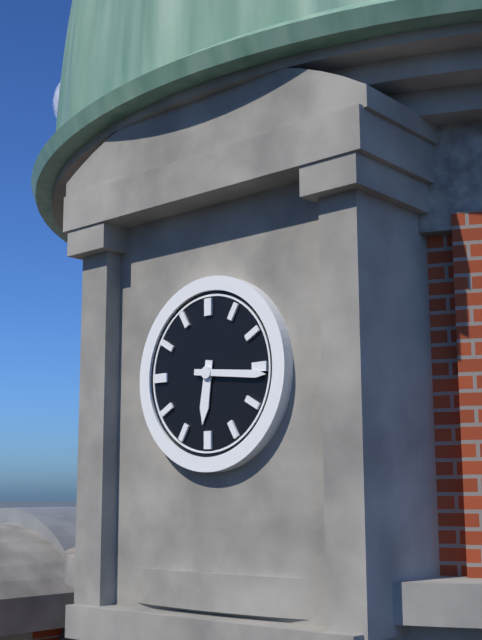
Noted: {"hour": 6, "minute": 16}
